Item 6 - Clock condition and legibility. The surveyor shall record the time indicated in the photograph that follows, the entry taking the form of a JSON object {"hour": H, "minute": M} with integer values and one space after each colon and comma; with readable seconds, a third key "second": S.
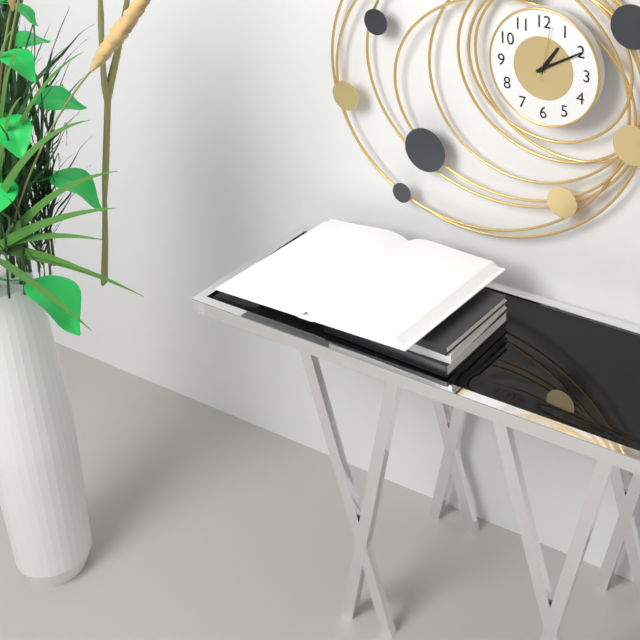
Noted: {"hour": 1, "minute": 10, "second": 2}
